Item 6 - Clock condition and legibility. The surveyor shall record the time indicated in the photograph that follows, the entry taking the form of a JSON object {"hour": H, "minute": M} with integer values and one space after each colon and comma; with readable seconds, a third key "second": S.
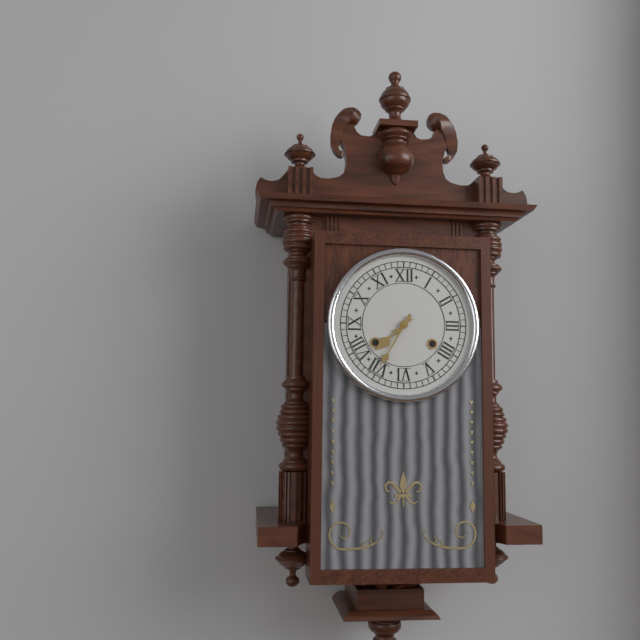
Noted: {"hour": 7, "minute": 35}
